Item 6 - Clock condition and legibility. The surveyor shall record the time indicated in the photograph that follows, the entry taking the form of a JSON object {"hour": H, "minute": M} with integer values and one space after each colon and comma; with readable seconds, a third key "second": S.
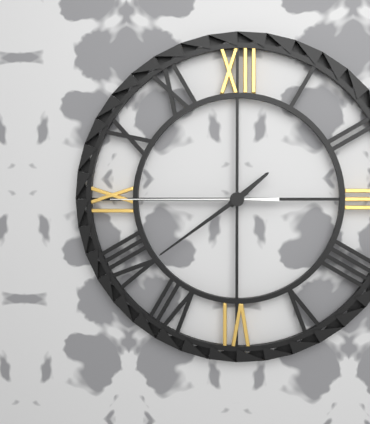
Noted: {"hour": 1, "minute": 39, "second": 45}
